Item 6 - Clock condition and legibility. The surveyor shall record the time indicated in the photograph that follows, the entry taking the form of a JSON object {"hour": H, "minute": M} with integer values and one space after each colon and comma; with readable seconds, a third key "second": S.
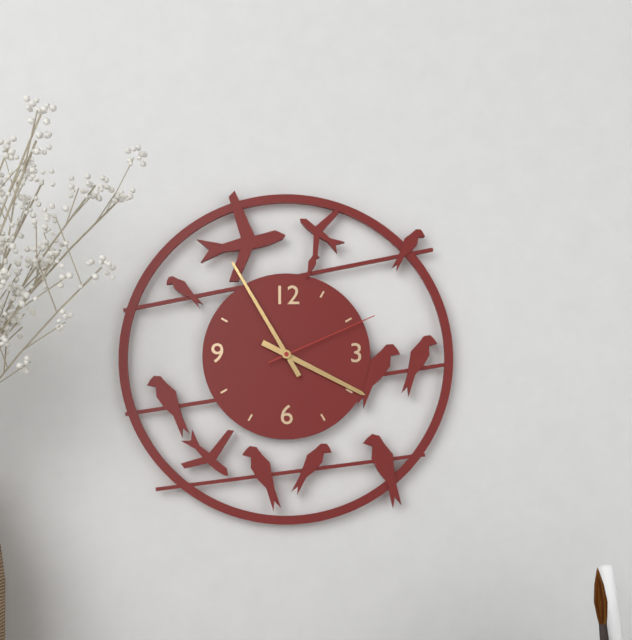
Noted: {"hour": 3, "minute": 55, "second": 11}
